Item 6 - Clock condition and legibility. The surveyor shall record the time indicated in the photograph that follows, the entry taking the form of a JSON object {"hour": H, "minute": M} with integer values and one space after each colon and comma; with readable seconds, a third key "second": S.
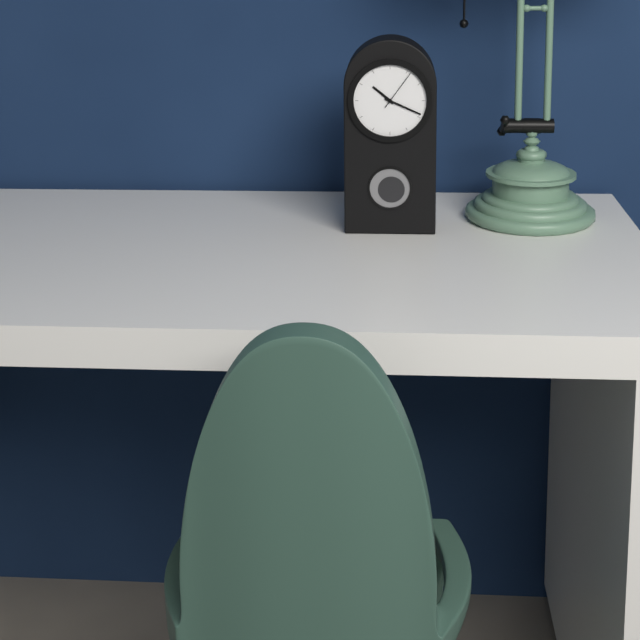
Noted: {"hour": 10, "minute": 19}
